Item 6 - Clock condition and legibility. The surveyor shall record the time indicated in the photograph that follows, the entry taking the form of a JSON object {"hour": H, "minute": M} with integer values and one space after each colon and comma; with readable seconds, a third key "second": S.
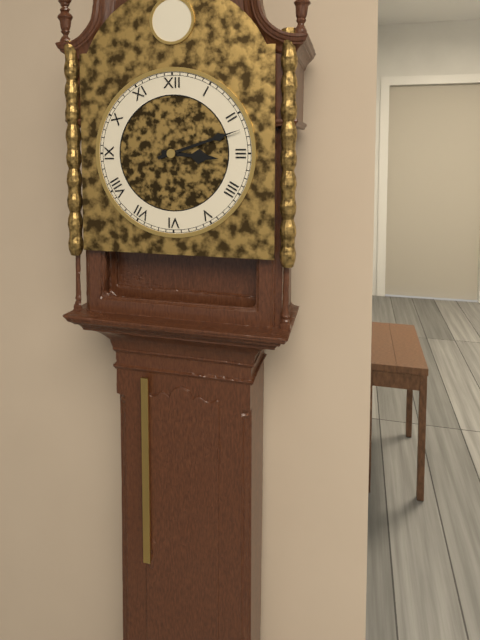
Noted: {"hour": 3, "minute": 12}
